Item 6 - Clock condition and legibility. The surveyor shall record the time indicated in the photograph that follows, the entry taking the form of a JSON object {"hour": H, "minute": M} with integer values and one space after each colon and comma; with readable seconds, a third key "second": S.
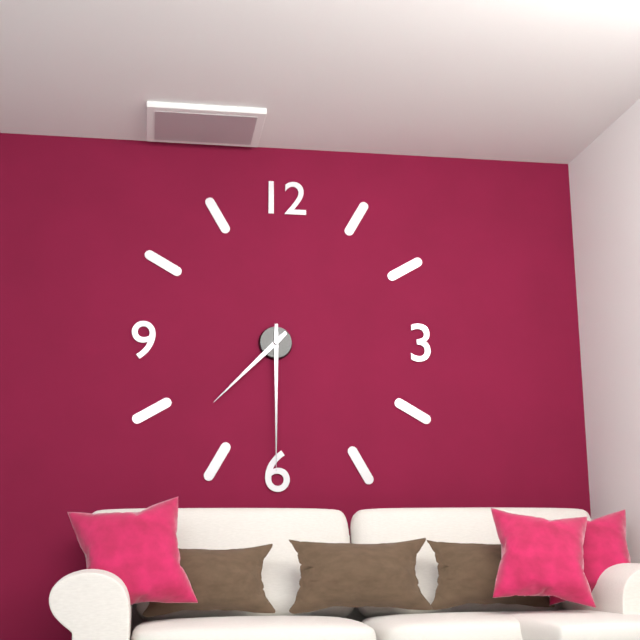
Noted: {"hour": 7, "minute": 30}
